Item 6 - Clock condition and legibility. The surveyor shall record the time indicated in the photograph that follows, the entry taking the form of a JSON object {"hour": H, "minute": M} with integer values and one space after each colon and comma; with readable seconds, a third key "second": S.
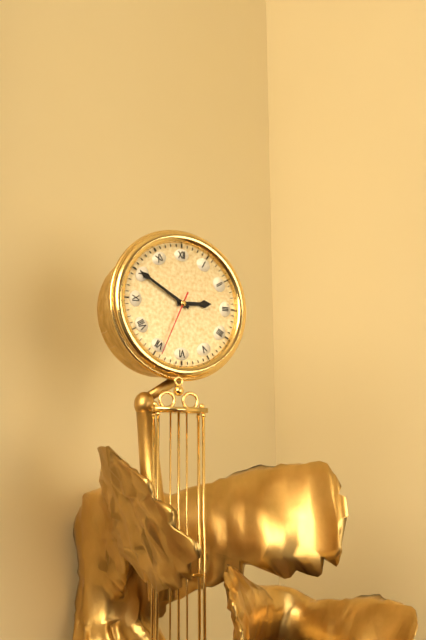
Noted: {"hour": 2, "minute": 50, "second": 34}
